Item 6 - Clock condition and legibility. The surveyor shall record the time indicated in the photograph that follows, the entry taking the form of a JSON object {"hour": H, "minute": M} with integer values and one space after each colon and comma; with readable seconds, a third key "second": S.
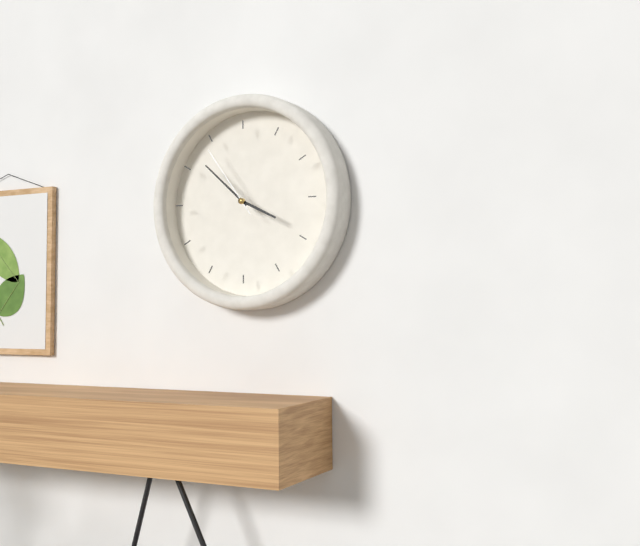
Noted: {"hour": 3, "minute": 52, "second": 54}
